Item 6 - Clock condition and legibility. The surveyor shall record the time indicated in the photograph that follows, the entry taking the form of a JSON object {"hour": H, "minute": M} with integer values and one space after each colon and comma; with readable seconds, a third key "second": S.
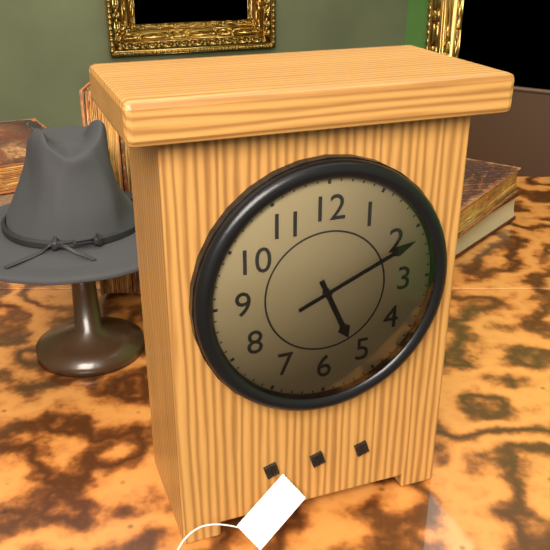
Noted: {"hour": 5, "minute": 11}
